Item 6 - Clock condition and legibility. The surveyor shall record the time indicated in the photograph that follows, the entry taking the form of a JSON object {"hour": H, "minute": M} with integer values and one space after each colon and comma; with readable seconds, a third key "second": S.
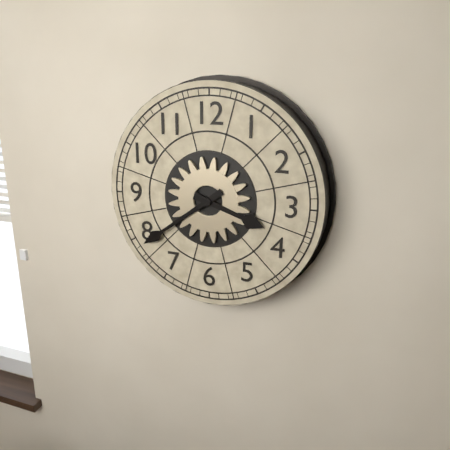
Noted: {"hour": 3, "minute": 39}
